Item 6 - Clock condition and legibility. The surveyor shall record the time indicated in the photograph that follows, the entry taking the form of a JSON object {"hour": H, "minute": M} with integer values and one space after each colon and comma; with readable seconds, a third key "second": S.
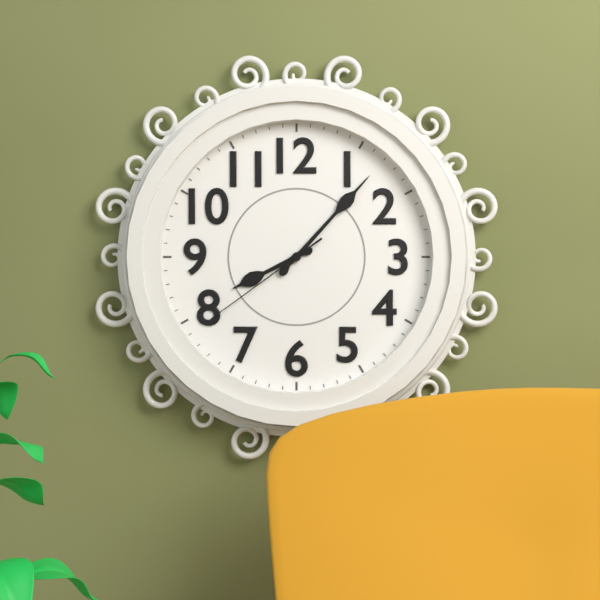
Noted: {"hour": 8, "minute": 7, "second": 39}
